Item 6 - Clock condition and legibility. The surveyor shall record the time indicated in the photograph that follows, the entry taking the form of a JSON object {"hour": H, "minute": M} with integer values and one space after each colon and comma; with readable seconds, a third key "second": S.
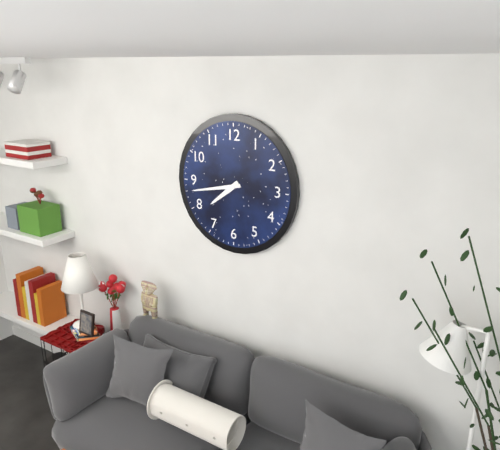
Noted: {"hour": 7, "minute": 43}
